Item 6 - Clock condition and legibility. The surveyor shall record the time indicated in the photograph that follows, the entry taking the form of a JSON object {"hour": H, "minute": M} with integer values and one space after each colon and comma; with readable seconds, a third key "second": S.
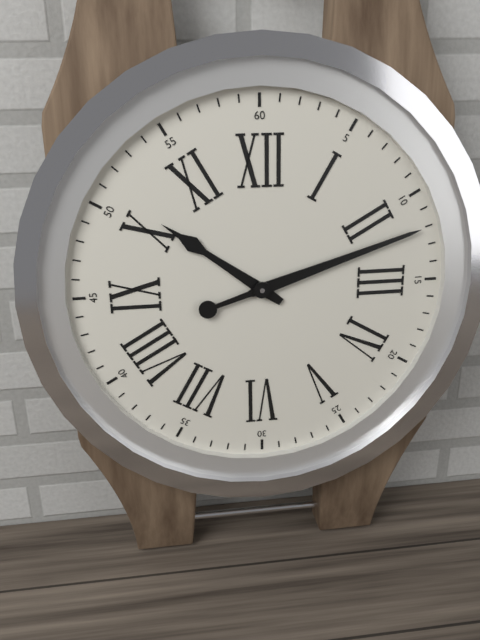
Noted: {"hour": 10, "minute": 12}
